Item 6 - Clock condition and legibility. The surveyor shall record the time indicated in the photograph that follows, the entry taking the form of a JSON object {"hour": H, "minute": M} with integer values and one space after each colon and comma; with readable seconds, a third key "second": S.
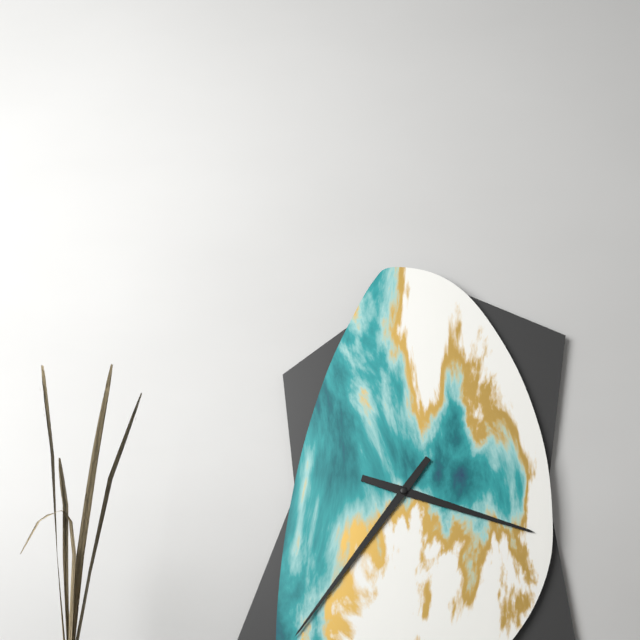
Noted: {"hour": 3, "minute": 36}
